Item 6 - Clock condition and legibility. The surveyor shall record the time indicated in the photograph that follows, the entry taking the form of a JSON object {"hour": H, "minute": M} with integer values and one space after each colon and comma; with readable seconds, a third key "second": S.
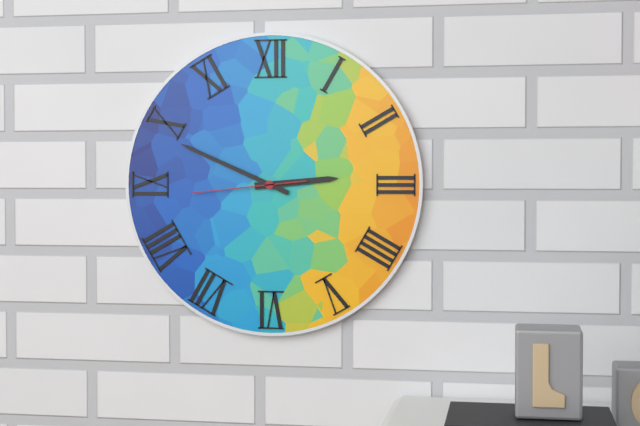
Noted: {"hour": 2, "minute": 49, "second": 44}
